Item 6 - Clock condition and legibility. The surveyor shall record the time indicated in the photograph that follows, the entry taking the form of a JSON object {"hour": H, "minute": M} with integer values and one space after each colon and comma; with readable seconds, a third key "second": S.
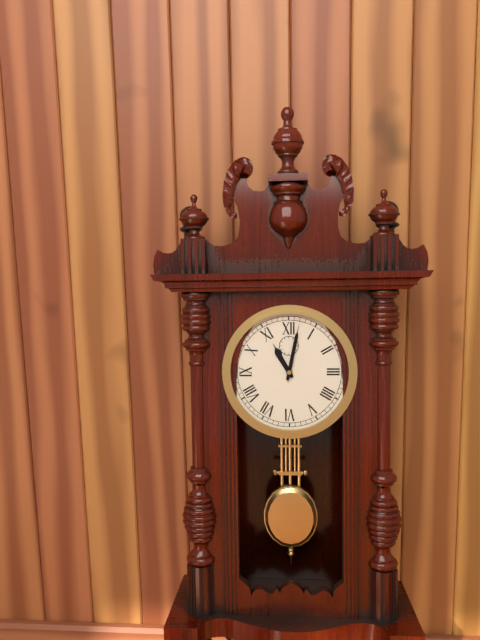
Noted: {"hour": 11, "minute": 2}
